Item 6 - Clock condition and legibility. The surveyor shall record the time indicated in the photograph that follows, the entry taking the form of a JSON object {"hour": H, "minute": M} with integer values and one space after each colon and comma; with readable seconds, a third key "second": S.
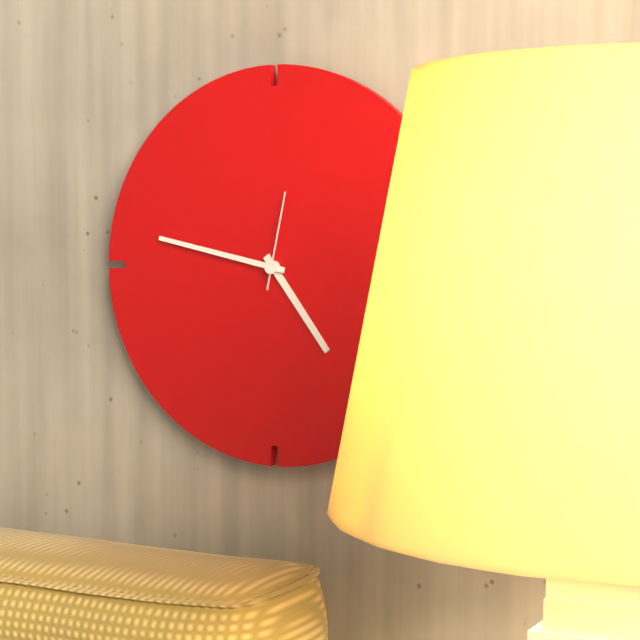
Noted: {"hour": 4, "minute": 47, "second": 2}
